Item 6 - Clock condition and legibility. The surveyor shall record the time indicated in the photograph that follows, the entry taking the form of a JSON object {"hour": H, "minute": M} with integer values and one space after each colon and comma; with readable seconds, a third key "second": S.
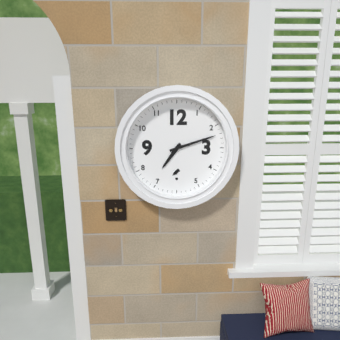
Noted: {"hour": 7, "minute": 12}
